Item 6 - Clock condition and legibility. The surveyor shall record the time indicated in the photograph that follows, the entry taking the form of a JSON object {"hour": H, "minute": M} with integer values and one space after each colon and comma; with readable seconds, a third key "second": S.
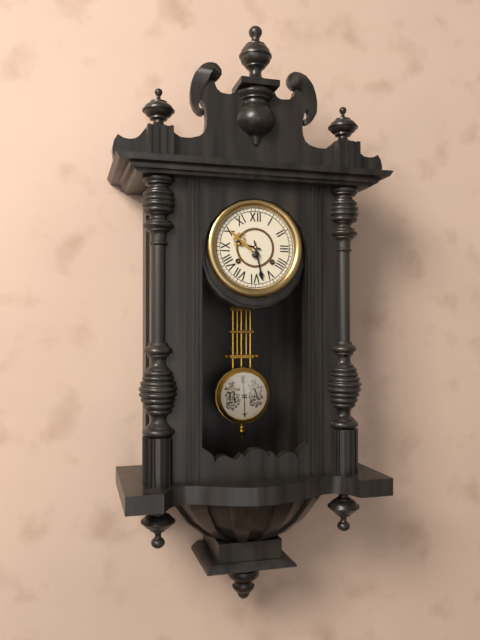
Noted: {"hour": 9, "minute": 28}
